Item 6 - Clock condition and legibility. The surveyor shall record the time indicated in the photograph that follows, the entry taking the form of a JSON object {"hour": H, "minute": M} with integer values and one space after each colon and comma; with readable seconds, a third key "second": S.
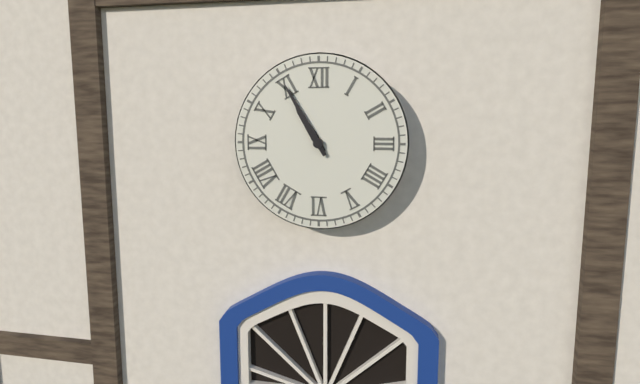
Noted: {"hour": 10, "minute": 55}
